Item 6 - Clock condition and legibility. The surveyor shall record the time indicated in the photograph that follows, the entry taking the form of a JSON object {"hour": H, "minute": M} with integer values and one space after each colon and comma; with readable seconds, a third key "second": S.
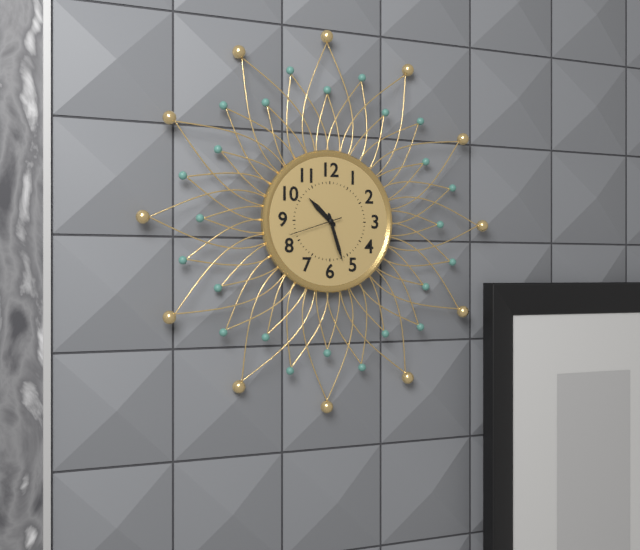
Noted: {"hour": 10, "minute": 27, "second": 42}
